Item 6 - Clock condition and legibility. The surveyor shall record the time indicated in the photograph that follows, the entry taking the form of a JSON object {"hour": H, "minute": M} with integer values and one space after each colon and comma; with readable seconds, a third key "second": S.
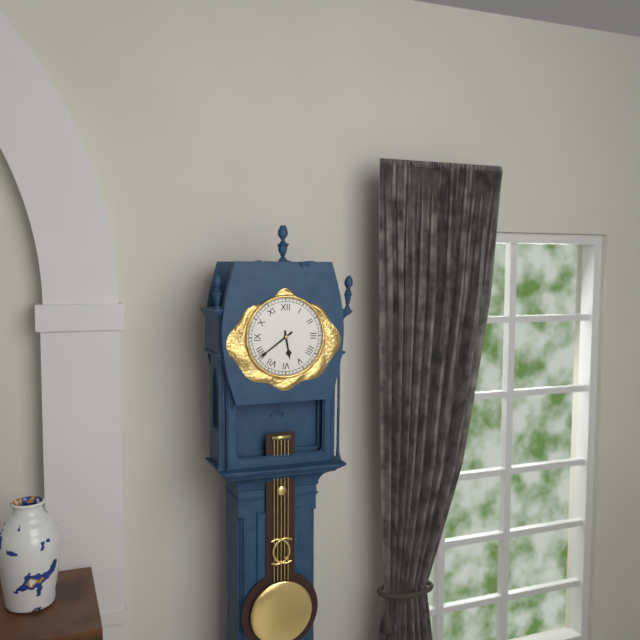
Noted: {"hour": 5, "minute": 39}
